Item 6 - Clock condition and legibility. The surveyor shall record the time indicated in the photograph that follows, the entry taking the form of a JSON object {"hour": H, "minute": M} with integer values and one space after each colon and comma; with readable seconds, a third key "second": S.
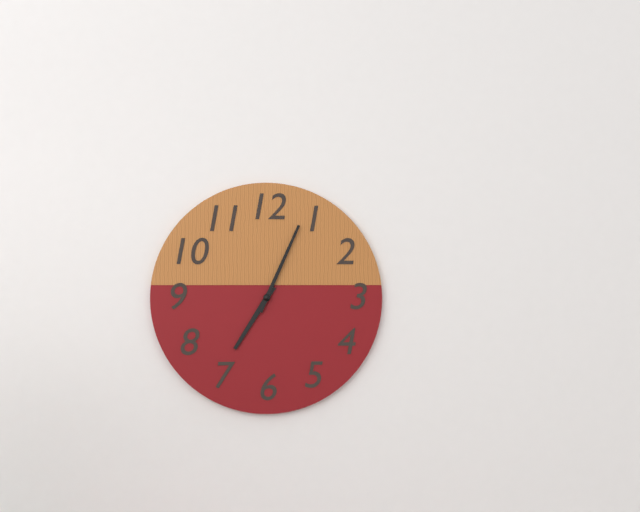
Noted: {"hour": 7, "minute": 4}
